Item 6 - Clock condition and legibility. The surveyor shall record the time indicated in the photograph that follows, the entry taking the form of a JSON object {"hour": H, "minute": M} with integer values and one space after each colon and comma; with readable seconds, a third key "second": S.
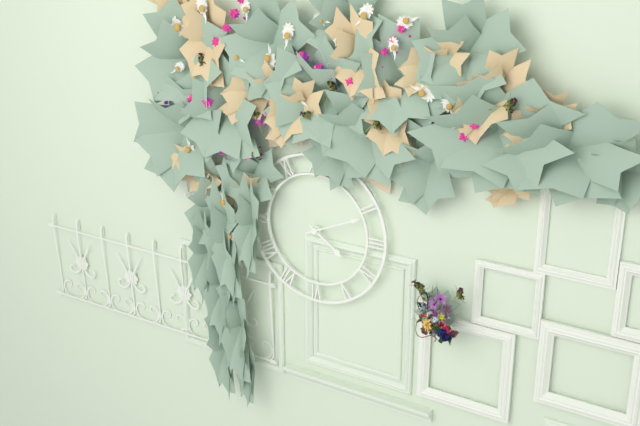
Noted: {"hour": 4, "minute": 11}
